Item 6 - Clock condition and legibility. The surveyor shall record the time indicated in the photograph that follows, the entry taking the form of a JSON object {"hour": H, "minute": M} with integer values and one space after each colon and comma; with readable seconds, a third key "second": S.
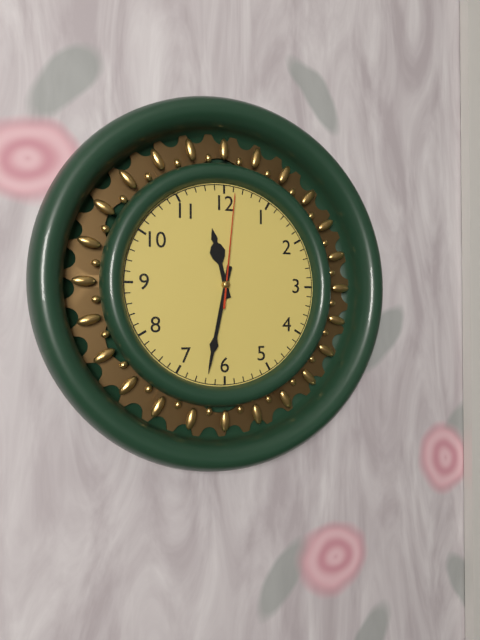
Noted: {"hour": 11, "minute": 32, "second": 1}
